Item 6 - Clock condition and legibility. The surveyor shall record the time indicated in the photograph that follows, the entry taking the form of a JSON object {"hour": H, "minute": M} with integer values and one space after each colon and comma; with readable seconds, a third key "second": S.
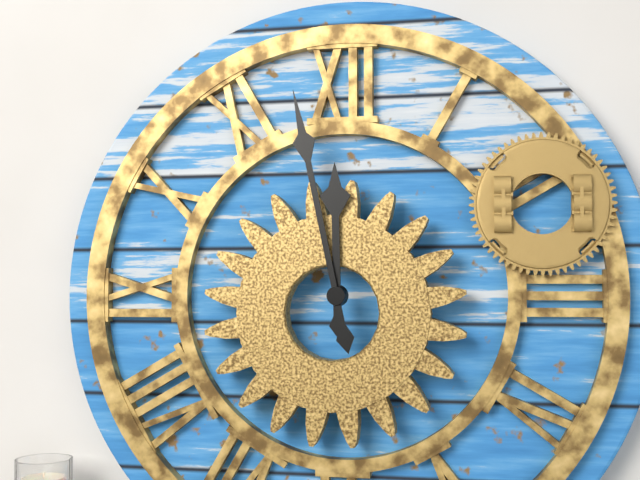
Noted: {"hour": 11, "minute": 58}
